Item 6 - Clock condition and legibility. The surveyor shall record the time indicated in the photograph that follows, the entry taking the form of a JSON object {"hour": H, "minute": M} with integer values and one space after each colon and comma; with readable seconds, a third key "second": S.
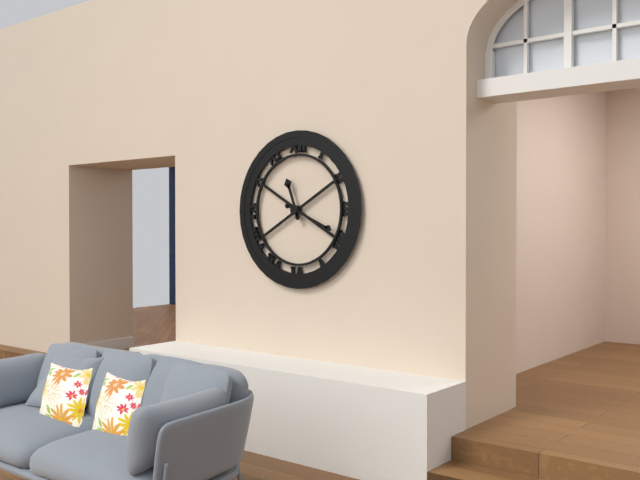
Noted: {"hour": 11, "minute": 19}
